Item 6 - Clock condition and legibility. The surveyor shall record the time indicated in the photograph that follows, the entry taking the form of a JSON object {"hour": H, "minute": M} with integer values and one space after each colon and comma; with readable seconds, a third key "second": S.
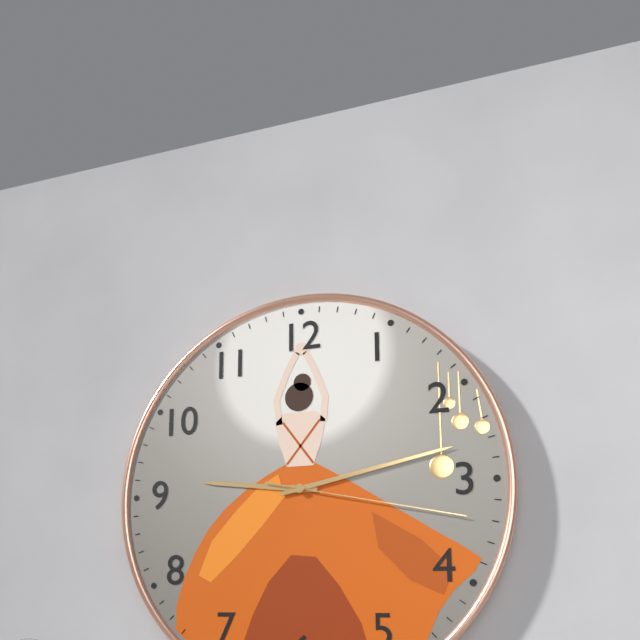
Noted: {"hour": 9, "minute": 13, "second": 17}
